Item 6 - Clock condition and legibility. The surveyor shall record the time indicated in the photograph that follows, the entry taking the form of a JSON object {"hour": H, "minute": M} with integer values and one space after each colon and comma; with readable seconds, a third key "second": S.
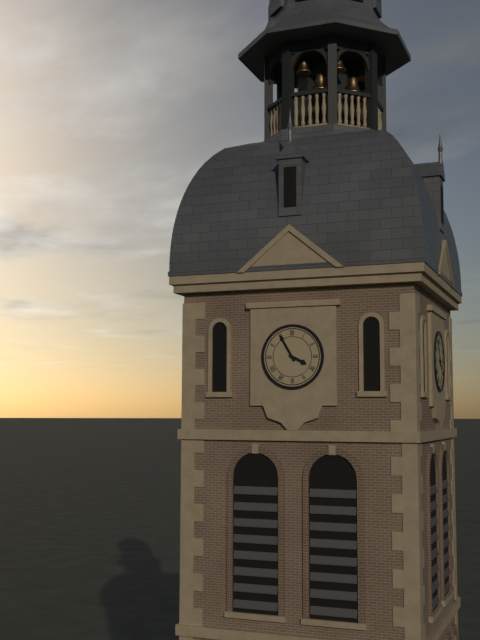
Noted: {"hour": 3, "minute": 55}
